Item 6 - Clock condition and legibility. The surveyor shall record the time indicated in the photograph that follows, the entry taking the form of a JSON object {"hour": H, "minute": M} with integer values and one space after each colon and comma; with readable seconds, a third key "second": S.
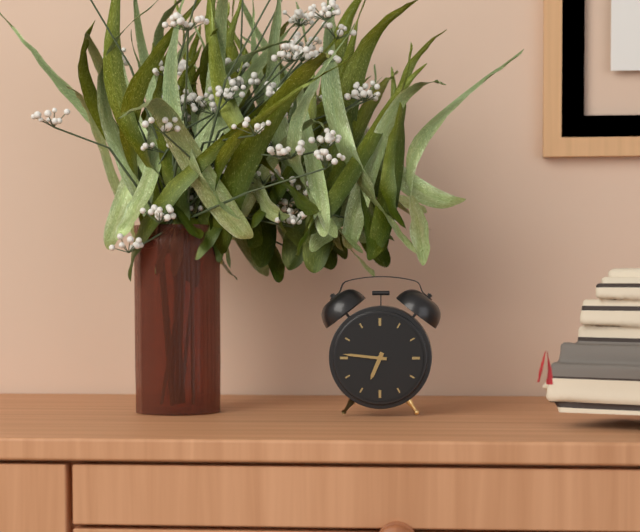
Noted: {"hour": 6, "minute": 46}
